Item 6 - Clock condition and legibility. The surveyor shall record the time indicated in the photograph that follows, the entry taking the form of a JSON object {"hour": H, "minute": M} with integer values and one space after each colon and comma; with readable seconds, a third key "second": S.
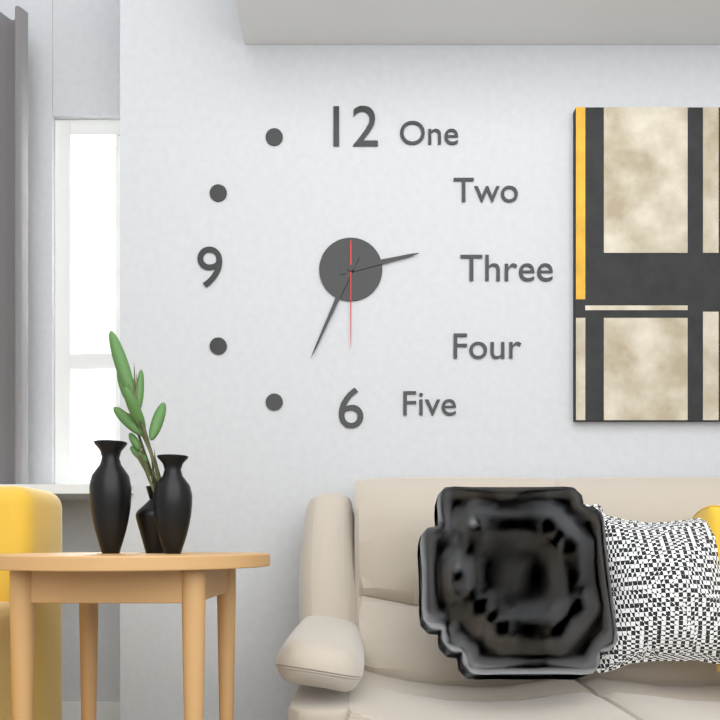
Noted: {"hour": 2, "minute": 34, "second": 30}
